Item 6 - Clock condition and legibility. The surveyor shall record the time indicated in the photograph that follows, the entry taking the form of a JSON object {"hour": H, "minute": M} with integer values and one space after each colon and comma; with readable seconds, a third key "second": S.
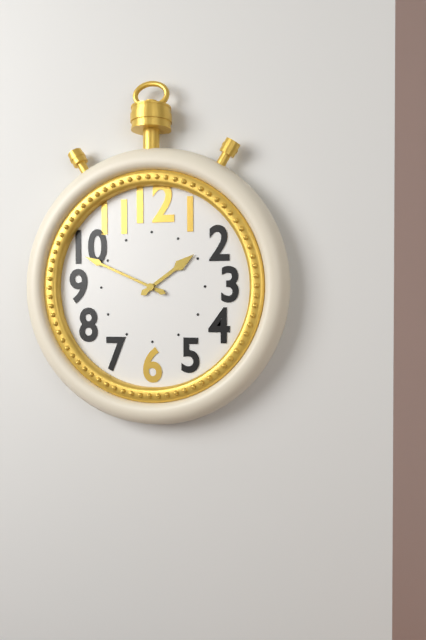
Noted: {"hour": 1, "minute": 49}
